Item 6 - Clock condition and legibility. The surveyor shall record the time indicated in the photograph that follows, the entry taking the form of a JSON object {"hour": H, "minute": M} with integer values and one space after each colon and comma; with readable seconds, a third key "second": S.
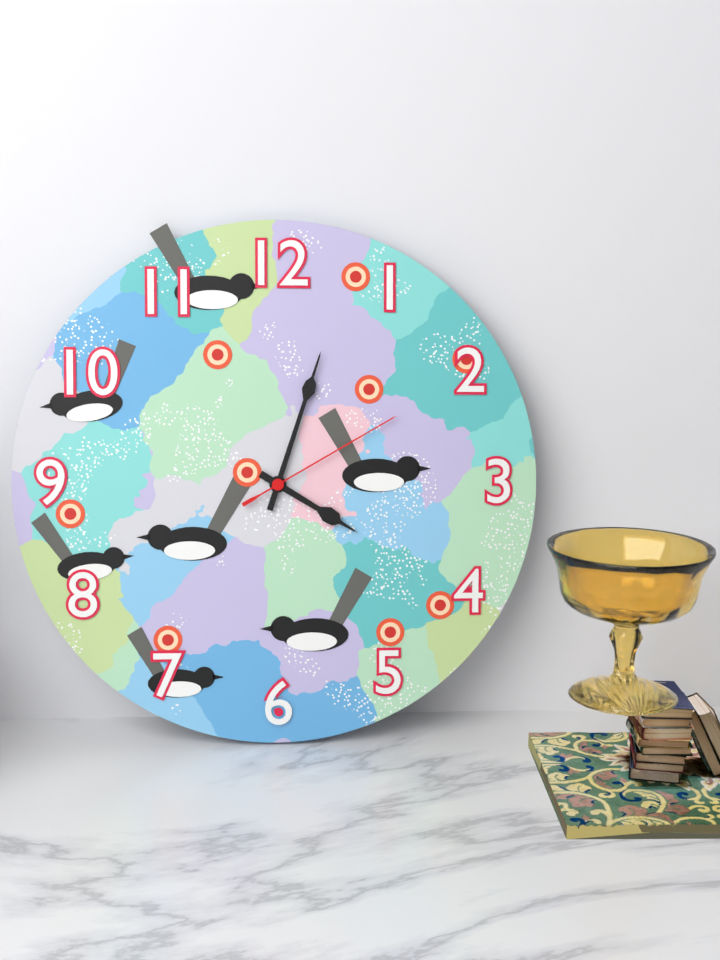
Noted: {"hour": 4, "minute": 3, "second": 10}
